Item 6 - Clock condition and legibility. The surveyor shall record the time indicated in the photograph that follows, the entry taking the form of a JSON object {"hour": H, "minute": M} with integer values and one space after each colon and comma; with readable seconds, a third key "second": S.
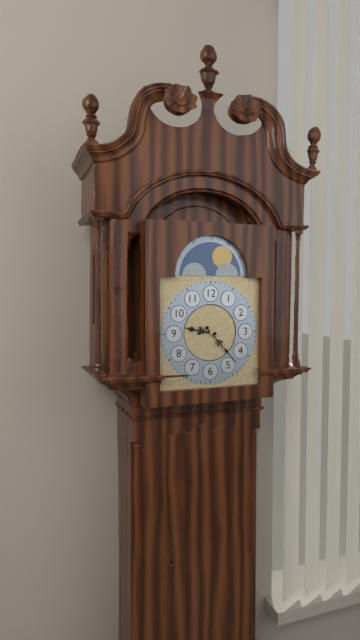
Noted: {"hour": 9, "minute": 23}
